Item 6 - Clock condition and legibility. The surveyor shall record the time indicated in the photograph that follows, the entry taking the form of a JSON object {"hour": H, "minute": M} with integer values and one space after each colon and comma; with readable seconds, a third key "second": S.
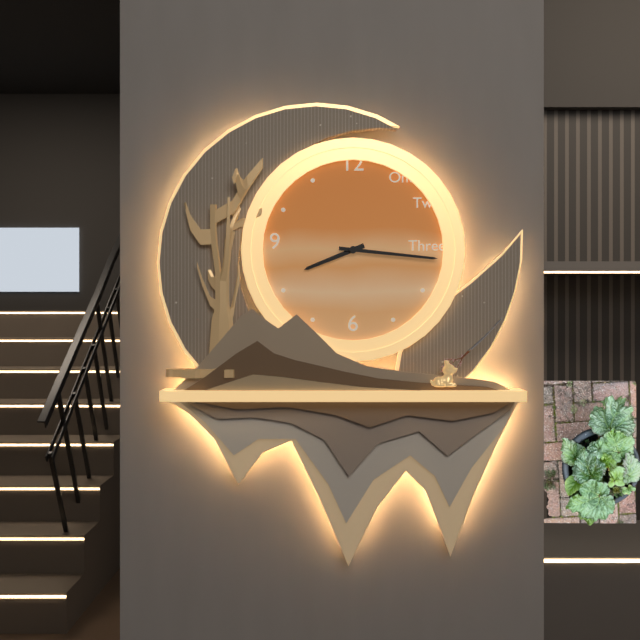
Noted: {"hour": 8, "minute": 16}
